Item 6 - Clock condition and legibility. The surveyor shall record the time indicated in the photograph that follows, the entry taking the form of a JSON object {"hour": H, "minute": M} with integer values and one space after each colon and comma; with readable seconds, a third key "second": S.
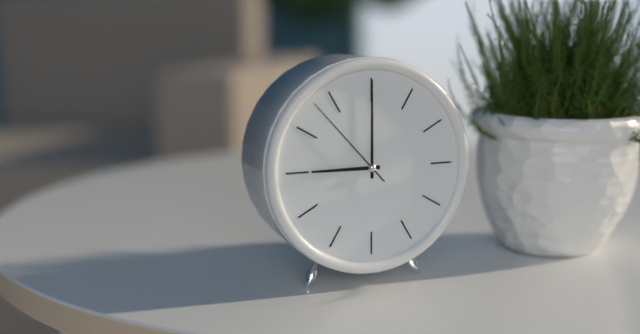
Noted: {"hour": 9, "minute": 0, "second": 53}
